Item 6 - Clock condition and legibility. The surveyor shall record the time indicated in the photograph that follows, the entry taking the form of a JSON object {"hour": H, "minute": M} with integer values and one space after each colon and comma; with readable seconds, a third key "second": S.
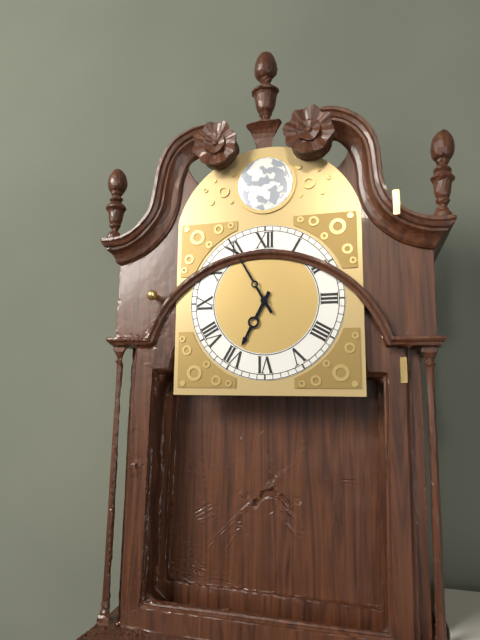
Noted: {"hour": 6, "minute": 55}
